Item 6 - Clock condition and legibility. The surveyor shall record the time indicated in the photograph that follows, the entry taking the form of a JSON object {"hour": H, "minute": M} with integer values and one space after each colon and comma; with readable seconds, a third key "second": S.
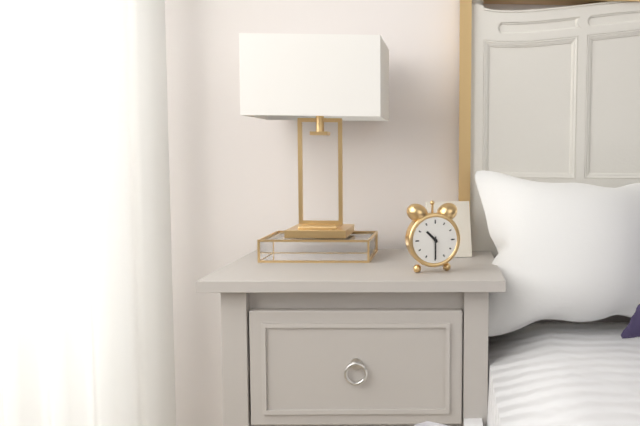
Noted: {"hour": 10, "minute": 30}
